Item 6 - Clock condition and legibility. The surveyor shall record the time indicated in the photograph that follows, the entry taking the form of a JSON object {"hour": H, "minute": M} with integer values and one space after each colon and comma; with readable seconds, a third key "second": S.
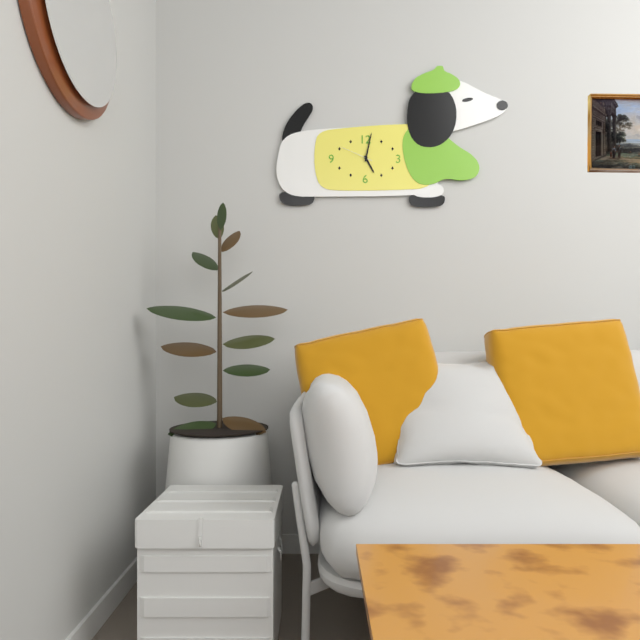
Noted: {"hour": 5, "minute": 2}
